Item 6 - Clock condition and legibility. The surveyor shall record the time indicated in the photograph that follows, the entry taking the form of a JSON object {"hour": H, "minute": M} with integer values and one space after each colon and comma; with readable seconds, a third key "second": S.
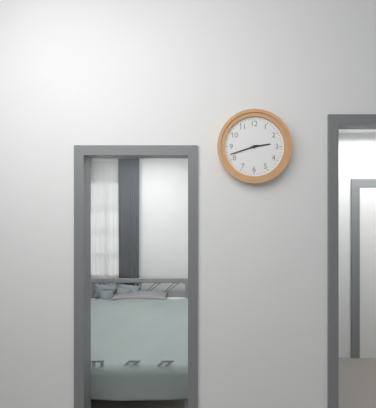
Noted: {"hour": 2, "minute": 42}
